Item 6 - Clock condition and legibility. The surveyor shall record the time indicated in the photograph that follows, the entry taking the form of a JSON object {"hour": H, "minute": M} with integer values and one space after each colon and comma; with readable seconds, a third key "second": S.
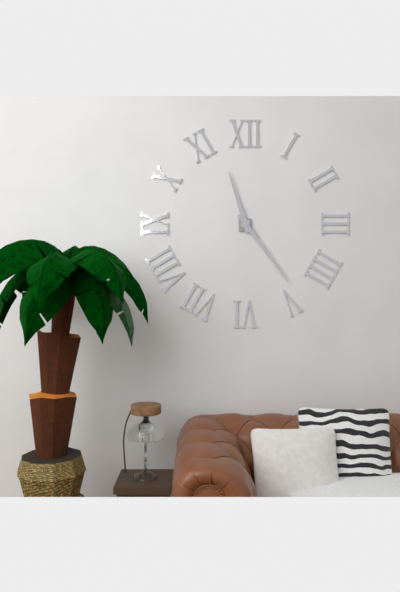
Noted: {"hour": 11, "minute": 24}
